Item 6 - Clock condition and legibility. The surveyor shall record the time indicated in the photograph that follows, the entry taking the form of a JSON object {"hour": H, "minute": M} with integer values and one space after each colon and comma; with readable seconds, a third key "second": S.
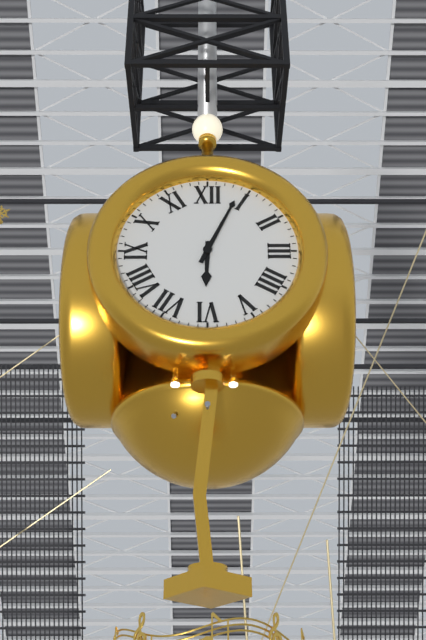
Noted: {"hour": 6, "minute": 4}
